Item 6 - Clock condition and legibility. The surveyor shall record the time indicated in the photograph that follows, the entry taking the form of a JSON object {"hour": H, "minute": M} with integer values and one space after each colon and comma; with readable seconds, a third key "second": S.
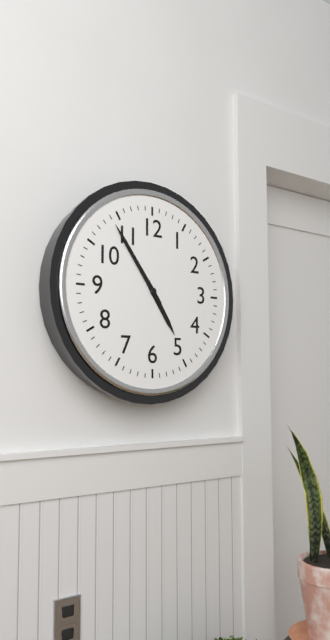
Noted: {"hour": 4, "minute": 54}
